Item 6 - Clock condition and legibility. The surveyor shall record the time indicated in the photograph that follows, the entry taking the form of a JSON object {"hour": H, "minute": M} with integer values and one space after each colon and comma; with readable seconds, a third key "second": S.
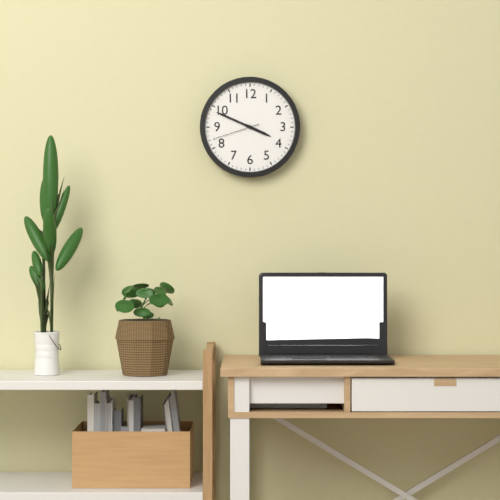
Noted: {"hour": 3, "minute": 49}
